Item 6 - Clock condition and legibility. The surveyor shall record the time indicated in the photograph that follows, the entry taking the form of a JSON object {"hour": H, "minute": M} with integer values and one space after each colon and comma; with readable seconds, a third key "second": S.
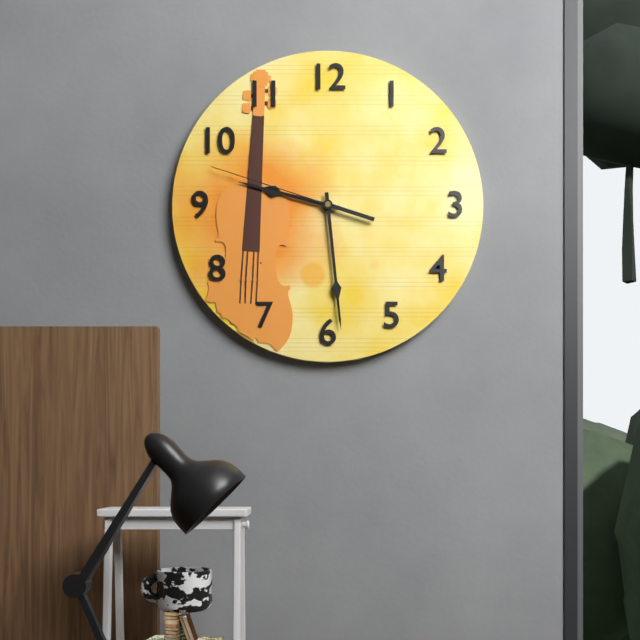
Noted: {"hour": 9, "minute": 29, "second": 48}
